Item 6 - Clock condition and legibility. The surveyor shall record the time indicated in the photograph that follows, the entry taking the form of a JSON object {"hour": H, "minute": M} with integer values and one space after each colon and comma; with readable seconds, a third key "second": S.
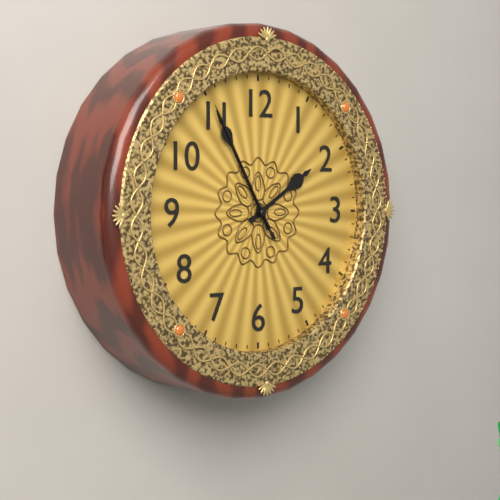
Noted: {"hour": 1, "minute": 55, "second": 55}
